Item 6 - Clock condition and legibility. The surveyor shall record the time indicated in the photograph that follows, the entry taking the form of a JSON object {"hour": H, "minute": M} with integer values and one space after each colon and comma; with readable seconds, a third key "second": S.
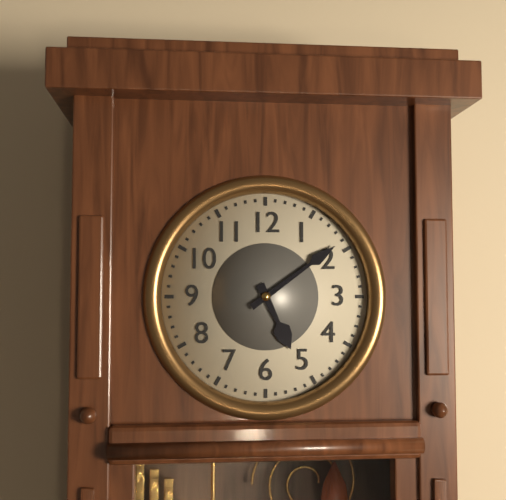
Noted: {"hour": 5, "minute": 9}
